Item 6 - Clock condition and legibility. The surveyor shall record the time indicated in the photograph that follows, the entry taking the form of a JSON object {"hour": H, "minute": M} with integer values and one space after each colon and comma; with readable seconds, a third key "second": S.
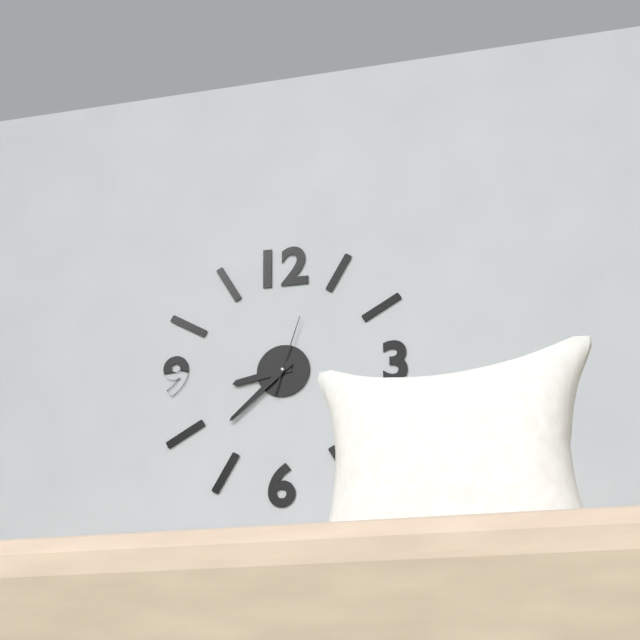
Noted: {"hour": 8, "minute": 38, "second": 3}
